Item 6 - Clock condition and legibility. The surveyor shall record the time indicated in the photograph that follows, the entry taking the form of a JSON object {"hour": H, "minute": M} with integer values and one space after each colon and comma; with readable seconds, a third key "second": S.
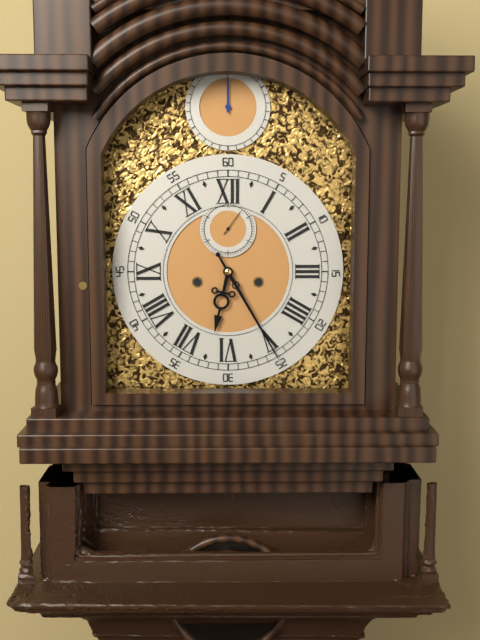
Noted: {"hour": 6, "minute": 25}
